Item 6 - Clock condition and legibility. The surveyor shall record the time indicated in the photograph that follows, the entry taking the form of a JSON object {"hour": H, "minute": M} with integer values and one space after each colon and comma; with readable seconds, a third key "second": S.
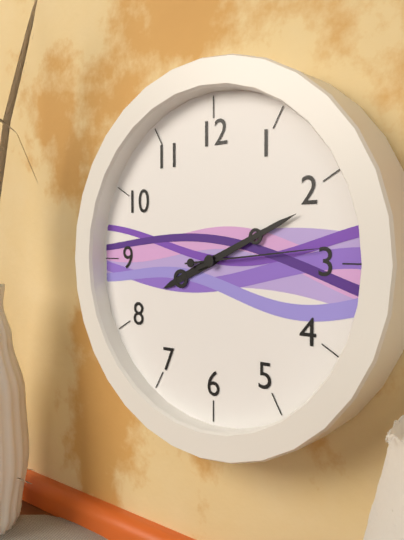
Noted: {"hour": 8, "minute": 11, "second": 14}
